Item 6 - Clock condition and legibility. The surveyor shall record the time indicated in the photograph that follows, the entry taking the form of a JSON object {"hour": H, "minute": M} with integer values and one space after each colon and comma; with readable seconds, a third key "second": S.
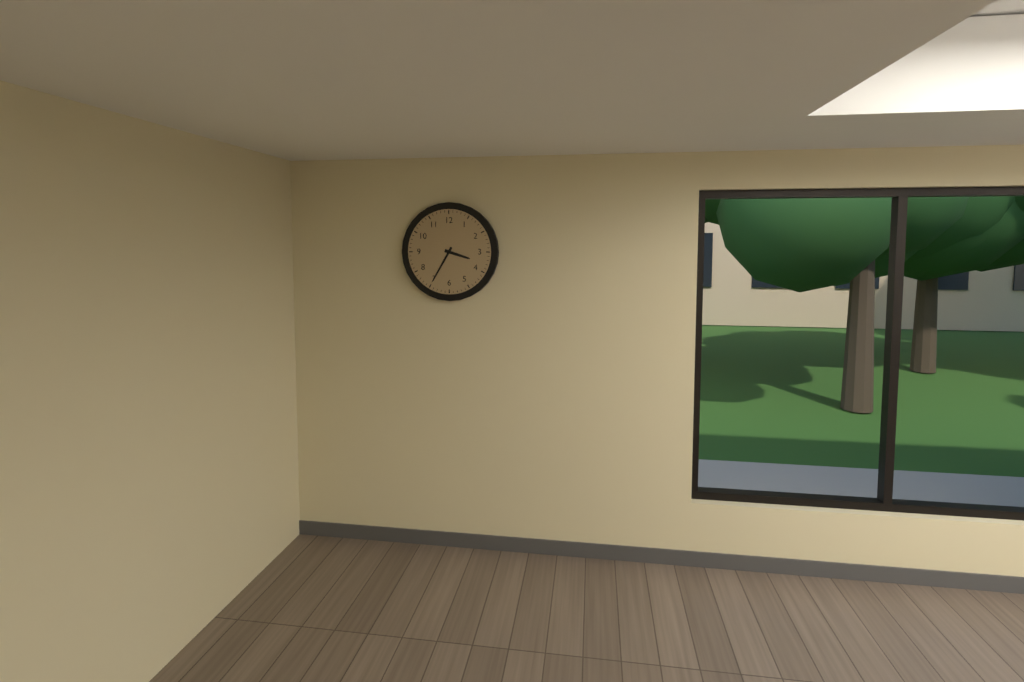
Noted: {"hour": 3, "minute": 35}
